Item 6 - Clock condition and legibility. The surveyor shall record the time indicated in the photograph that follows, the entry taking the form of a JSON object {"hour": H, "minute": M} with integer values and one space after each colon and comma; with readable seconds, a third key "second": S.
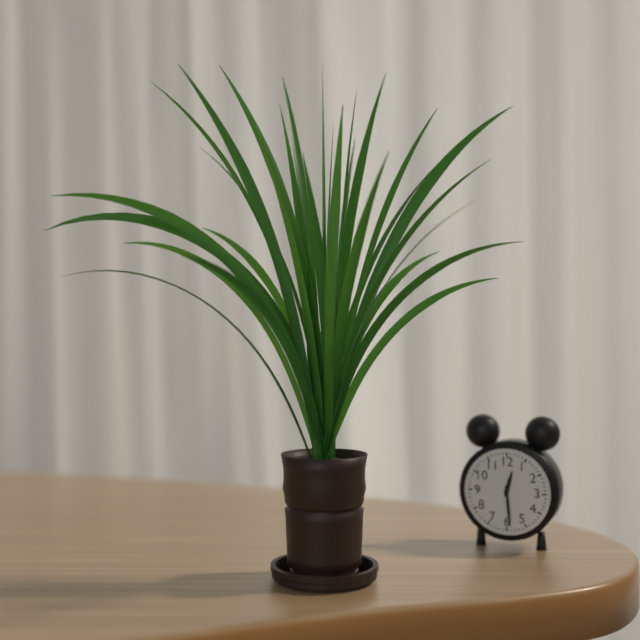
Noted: {"hour": 12, "minute": 29}
